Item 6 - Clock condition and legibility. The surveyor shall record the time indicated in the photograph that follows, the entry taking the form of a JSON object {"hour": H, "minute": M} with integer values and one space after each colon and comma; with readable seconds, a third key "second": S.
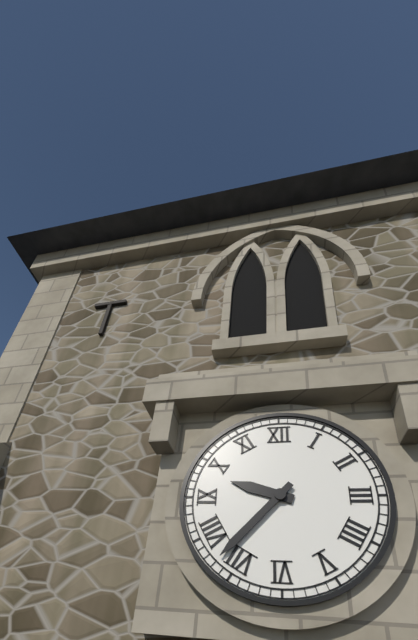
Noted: {"hour": 9, "minute": 37}
